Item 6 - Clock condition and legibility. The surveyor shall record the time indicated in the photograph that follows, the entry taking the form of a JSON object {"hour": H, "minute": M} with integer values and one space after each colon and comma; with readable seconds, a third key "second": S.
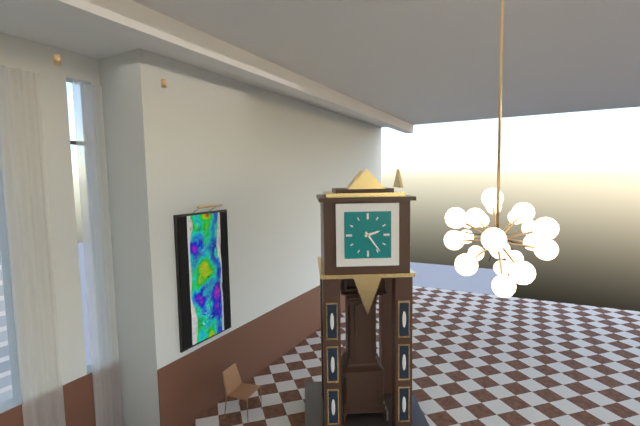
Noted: {"hour": 2, "minute": 24}
